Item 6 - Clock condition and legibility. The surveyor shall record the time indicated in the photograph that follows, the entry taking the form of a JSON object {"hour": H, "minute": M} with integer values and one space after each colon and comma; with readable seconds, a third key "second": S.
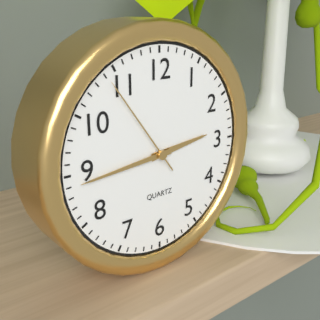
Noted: {"hour": 2, "minute": 44, "second": 54}
